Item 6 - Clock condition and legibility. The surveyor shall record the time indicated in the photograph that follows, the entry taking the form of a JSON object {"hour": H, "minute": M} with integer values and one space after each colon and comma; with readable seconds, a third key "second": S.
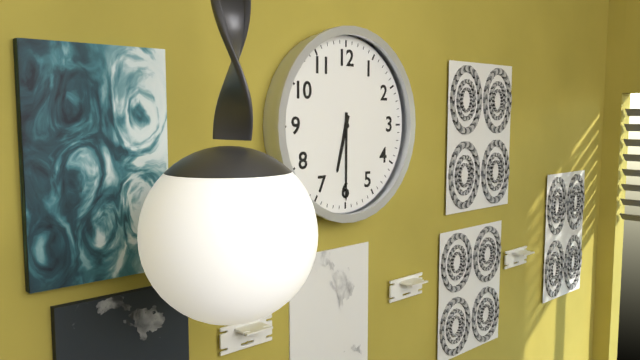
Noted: {"hour": 6, "minute": 30}
